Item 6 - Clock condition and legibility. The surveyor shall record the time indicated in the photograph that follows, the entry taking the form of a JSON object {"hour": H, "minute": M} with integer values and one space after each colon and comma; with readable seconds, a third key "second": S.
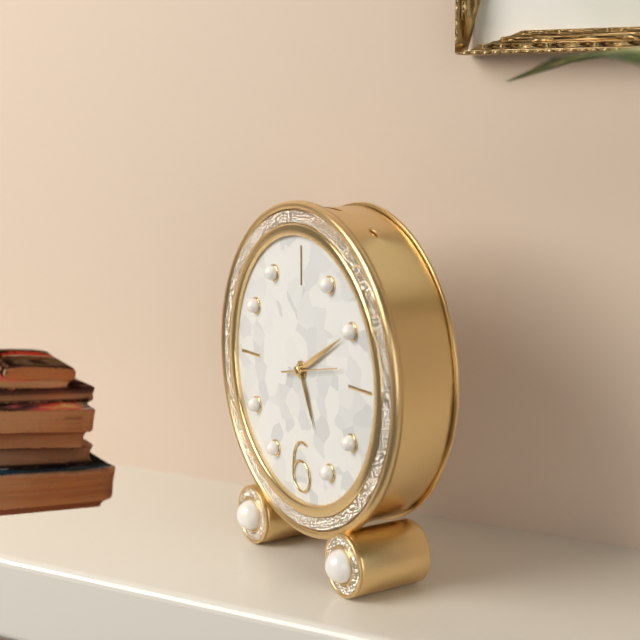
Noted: {"hour": 5, "minute": 10}
